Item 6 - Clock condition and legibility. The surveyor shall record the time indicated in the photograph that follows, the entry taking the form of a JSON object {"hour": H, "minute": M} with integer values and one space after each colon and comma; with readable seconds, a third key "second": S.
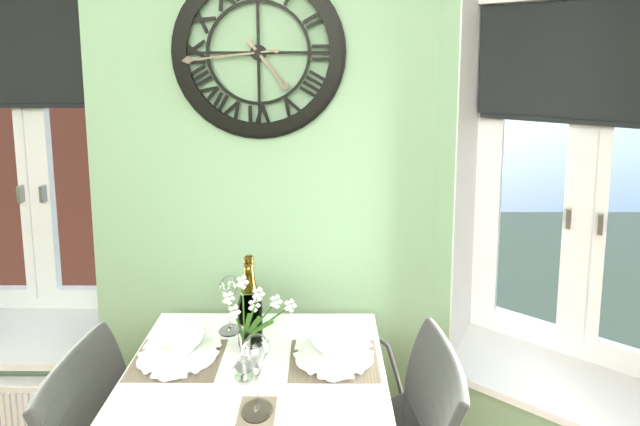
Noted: {"hour": 4, "minute": 44}
